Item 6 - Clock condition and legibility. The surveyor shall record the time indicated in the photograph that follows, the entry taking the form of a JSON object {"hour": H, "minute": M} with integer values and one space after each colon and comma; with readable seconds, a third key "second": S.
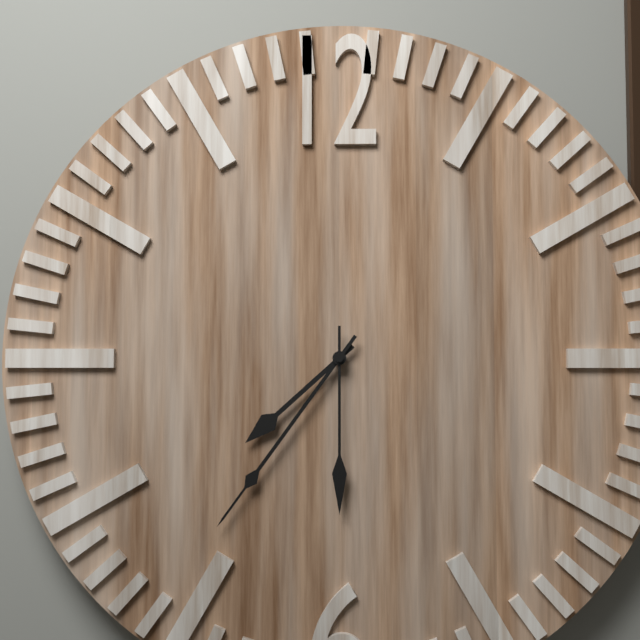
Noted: {"hour": 7, "minute": 36, "second": 30}
